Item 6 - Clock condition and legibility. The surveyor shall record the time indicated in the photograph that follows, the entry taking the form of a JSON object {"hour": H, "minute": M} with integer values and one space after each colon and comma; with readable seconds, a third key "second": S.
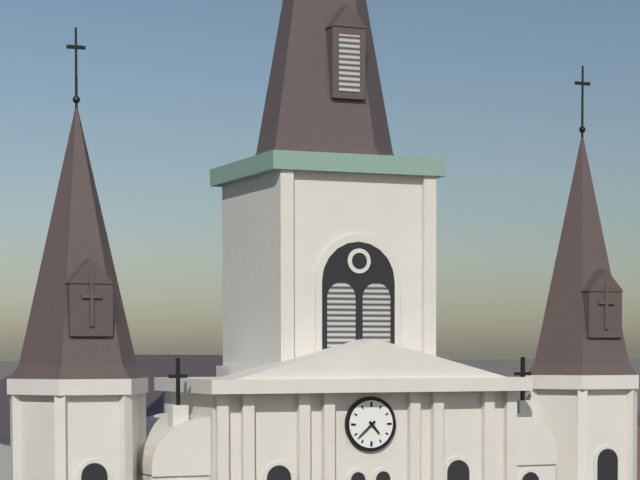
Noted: {"hour": 4, "minute": 38}
